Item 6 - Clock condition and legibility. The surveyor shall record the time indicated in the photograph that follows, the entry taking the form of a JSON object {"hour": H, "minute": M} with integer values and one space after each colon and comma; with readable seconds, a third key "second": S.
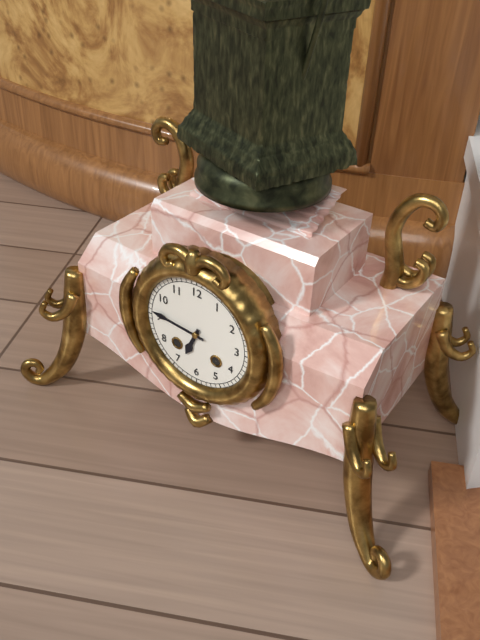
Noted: {"hour": 6, "minute": 46}
